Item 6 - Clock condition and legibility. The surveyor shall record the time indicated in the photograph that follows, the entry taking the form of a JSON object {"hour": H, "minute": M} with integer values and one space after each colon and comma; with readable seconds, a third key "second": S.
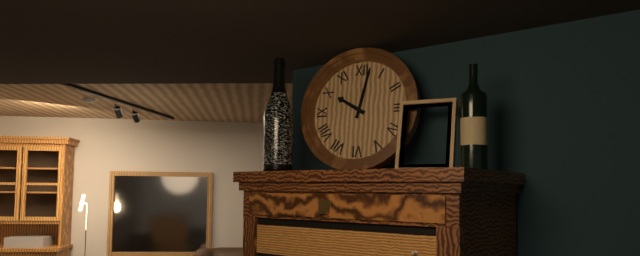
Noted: {"hour": 10, "minute": 2}
